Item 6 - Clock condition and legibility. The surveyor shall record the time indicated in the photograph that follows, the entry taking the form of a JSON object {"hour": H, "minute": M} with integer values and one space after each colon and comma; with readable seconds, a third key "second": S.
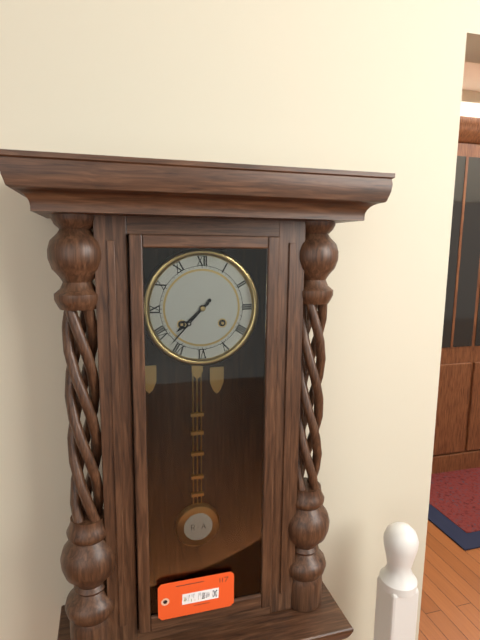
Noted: {"hour": 7, "minute": 37}
